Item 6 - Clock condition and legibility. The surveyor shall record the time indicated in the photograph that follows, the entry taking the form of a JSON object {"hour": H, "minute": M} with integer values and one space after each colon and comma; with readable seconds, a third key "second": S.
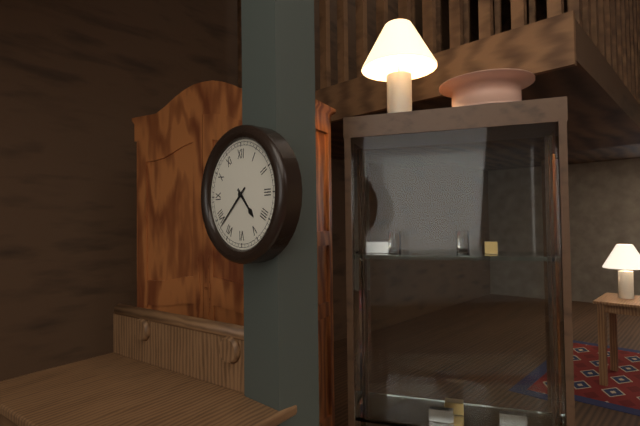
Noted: {"hour": 4, "minute": 38}
